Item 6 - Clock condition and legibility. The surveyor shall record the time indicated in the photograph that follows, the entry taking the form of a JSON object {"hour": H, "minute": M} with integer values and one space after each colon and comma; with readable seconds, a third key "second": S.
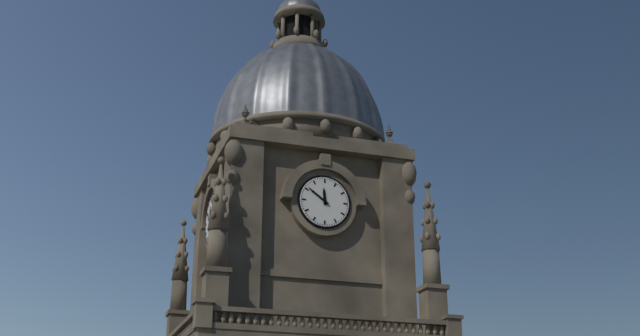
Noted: {"hour": 11, "minute": 51}
